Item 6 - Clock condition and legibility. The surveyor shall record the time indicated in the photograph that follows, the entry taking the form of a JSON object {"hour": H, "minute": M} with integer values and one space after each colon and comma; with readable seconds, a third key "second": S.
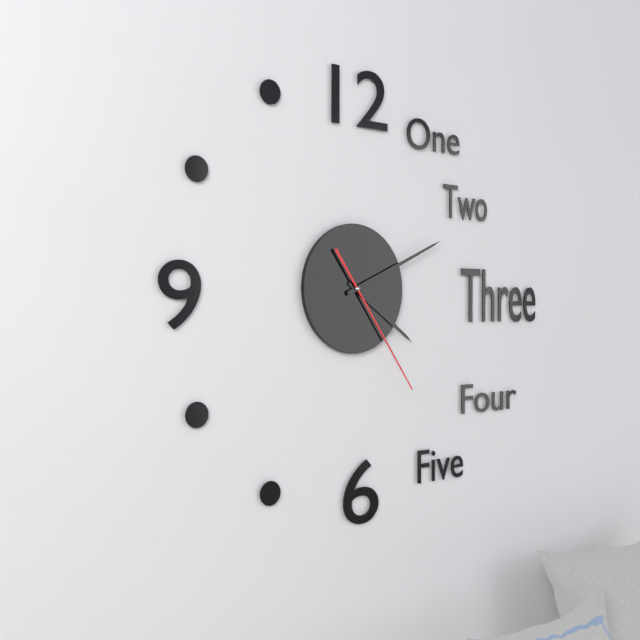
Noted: {"hour": 4, "minute": 11, "second": 24}
